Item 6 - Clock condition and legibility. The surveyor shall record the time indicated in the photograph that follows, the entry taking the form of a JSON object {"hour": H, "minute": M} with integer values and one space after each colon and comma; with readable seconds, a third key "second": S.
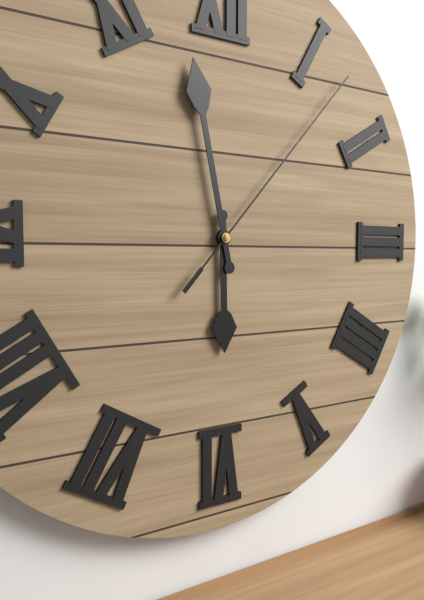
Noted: {"hour": 5, "minute": 58, "second": 7}
